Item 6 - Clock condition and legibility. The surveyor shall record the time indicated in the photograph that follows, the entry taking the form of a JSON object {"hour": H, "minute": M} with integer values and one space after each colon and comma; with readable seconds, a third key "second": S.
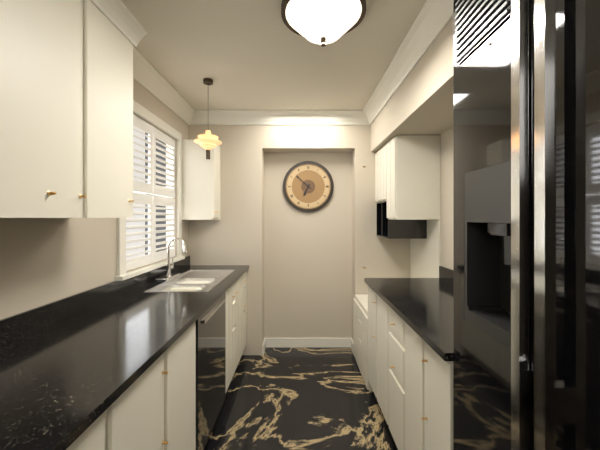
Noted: {"hour": 6, "minute": 52}
